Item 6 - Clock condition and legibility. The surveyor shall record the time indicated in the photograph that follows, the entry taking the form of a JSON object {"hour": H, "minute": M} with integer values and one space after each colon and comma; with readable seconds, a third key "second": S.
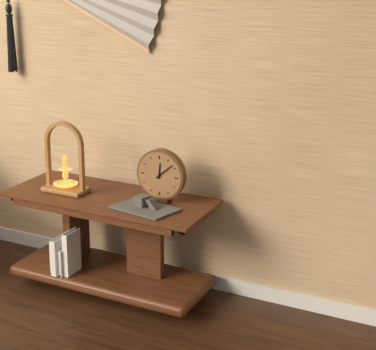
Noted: {"hour": 12, "minute": 8}
